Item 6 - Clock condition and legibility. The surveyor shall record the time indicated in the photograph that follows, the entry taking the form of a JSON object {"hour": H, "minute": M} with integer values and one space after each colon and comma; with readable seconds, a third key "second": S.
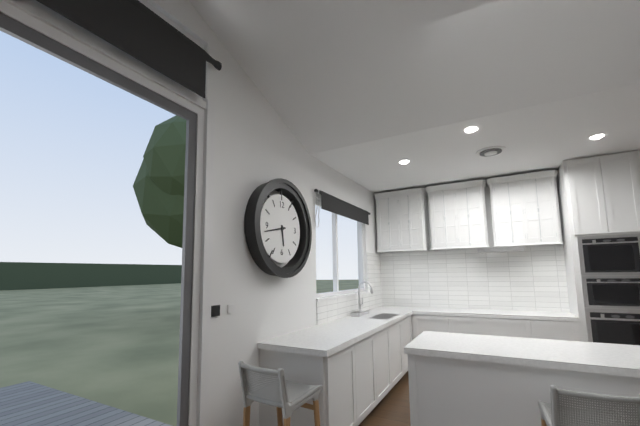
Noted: {"hour": 5, "minute": 43}
